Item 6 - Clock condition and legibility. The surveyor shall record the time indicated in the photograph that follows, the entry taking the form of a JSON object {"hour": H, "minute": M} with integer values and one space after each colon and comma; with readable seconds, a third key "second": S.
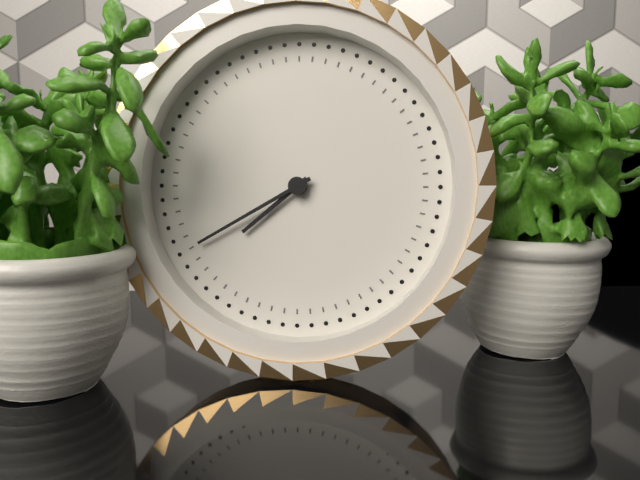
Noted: {"hour": 7, "minute": 40}
